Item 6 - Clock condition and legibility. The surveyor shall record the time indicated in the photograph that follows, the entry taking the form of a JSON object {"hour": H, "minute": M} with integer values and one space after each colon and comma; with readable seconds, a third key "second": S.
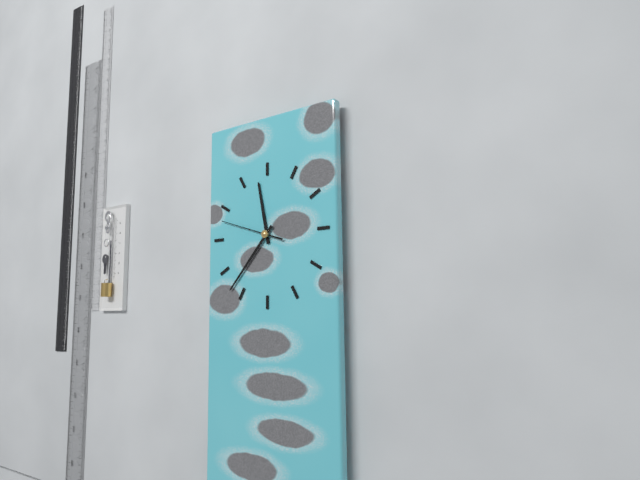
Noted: {"hour": 11, "minute": 37, "second": 48}
